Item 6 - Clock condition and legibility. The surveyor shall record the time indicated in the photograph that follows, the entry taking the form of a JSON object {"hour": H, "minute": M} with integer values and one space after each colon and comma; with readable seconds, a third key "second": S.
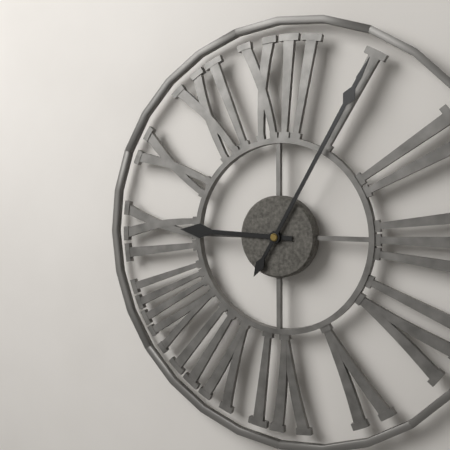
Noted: {"hour": 9, "minute": 5}
